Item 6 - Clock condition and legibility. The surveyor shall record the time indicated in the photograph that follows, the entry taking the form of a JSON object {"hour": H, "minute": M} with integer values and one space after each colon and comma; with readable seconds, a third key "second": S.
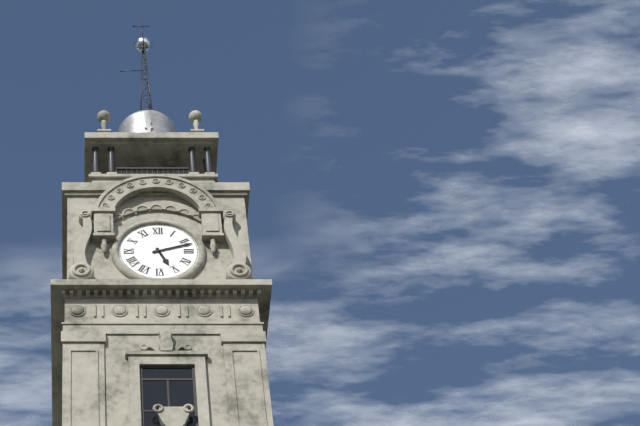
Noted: {"hour": 5, "minute": 12}
